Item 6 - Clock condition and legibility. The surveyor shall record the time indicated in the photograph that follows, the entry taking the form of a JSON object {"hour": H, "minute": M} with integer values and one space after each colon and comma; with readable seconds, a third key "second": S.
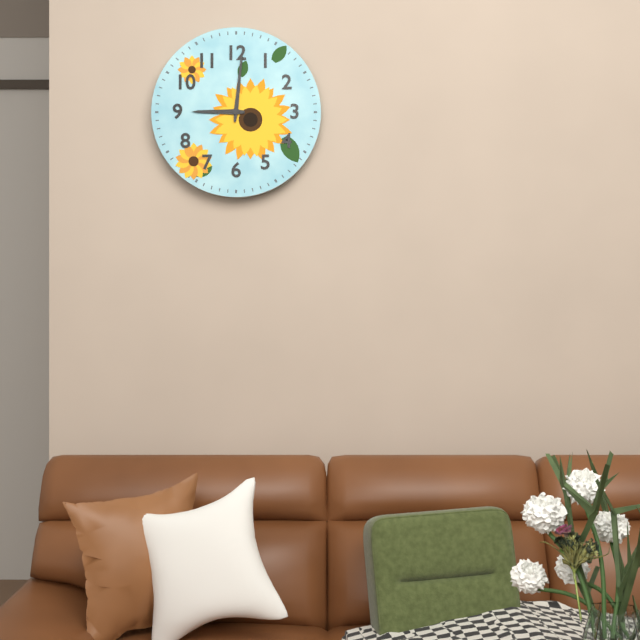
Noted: {"hour": 9, "minute": 1}
